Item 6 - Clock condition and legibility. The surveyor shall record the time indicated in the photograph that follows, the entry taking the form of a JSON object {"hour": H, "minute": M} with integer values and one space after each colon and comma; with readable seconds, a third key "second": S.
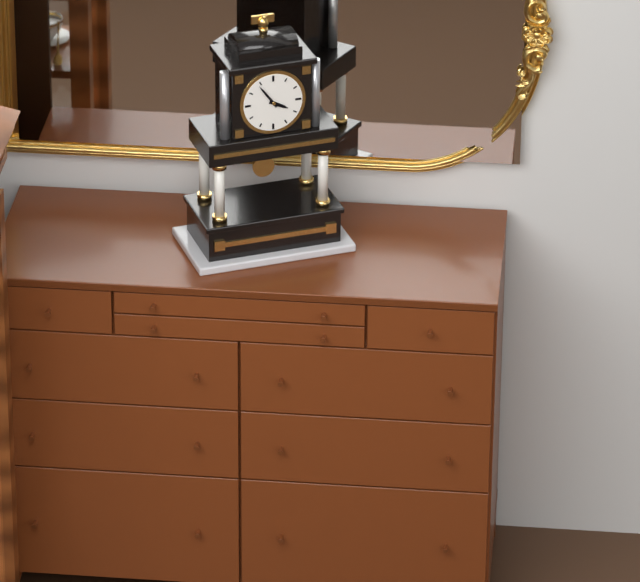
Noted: {"hour": 3, "minute": 54}
